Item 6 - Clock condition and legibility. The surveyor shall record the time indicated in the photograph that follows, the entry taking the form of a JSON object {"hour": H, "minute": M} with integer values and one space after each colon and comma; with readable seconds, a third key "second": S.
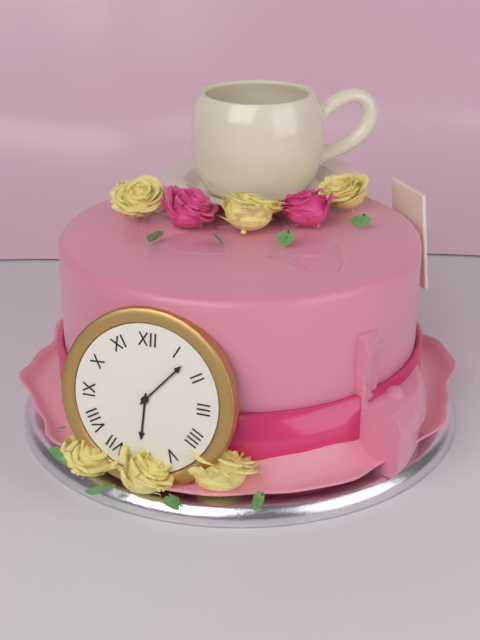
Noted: {"hour": 6, "minute": 7}
